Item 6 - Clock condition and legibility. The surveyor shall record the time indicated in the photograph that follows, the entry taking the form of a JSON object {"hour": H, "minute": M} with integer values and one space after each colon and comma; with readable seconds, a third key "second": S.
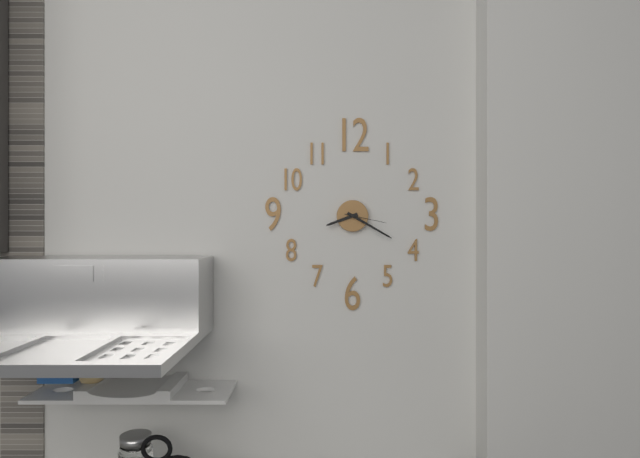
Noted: {"hour": 8, "minute": 20}
